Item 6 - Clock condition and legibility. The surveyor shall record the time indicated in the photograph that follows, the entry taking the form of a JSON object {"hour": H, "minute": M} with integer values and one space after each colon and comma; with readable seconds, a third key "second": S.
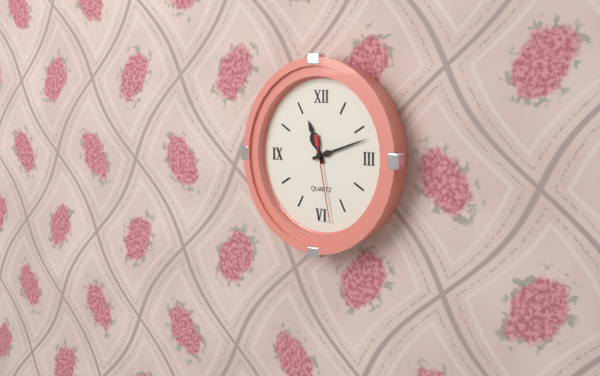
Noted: {"hour": 11, "minute": 12, "second": 28}
